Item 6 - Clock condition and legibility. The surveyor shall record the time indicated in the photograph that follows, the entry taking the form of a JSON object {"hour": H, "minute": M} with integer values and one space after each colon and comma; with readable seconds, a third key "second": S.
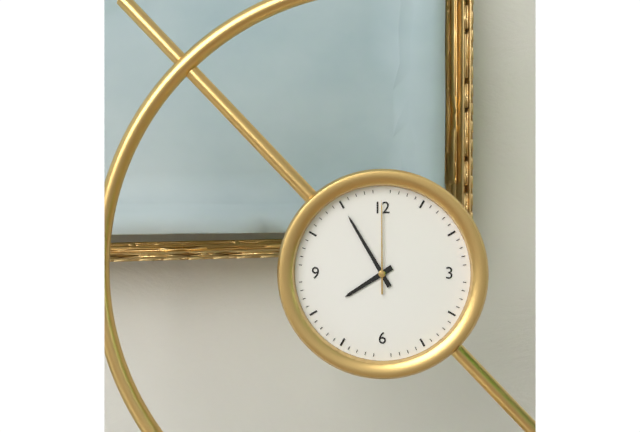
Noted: {"hour": 7, "minute": 55, "second": 0}
